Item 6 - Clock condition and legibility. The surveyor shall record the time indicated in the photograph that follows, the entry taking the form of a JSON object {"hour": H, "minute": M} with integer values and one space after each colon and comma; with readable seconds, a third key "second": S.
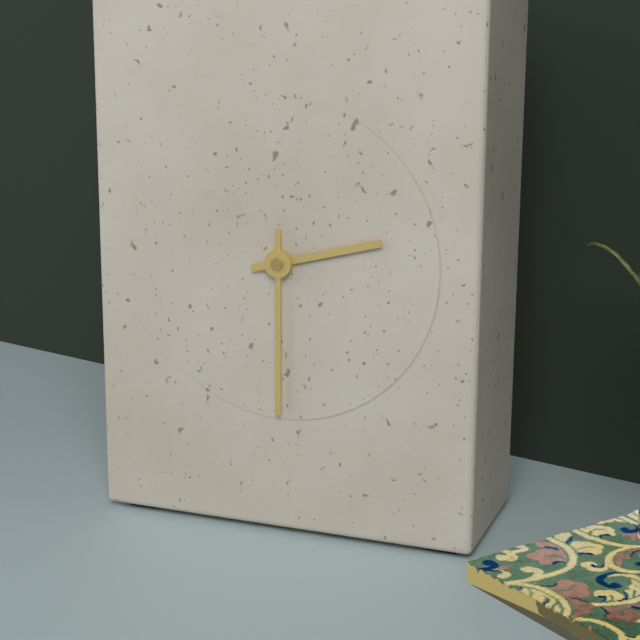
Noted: {"hour": 2, "minute": 30}
